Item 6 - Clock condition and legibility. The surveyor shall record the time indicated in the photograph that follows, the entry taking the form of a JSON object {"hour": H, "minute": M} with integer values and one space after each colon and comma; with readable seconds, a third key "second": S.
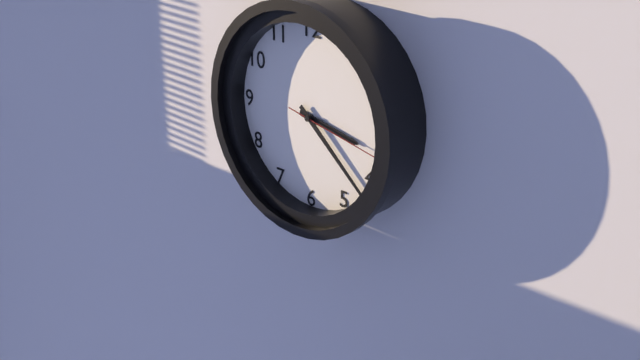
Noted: {"hour": 3, "minute": 22, "second": 17}
